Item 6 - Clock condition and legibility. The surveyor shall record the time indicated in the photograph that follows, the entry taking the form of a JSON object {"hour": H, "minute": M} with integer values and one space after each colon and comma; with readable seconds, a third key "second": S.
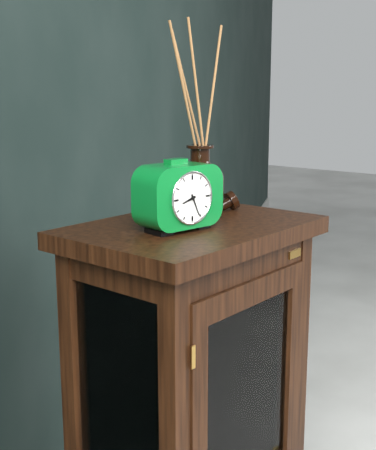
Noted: {"hour": 8, "minute": 26}
